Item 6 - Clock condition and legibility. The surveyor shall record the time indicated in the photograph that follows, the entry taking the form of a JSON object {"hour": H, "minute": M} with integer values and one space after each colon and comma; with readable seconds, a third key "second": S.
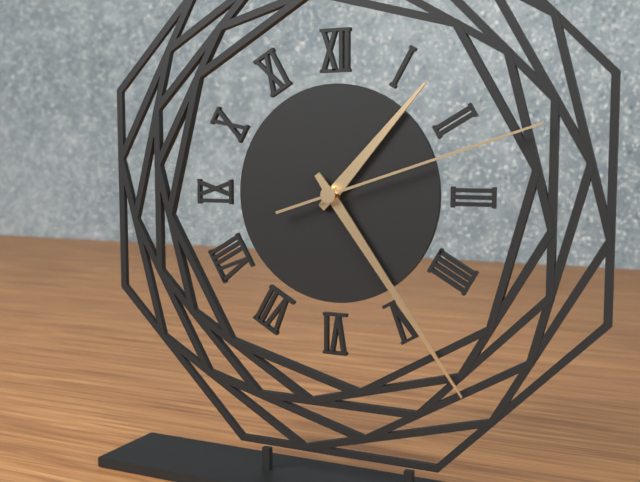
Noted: {"hour": 1, "minute": 24, "second": 12}
